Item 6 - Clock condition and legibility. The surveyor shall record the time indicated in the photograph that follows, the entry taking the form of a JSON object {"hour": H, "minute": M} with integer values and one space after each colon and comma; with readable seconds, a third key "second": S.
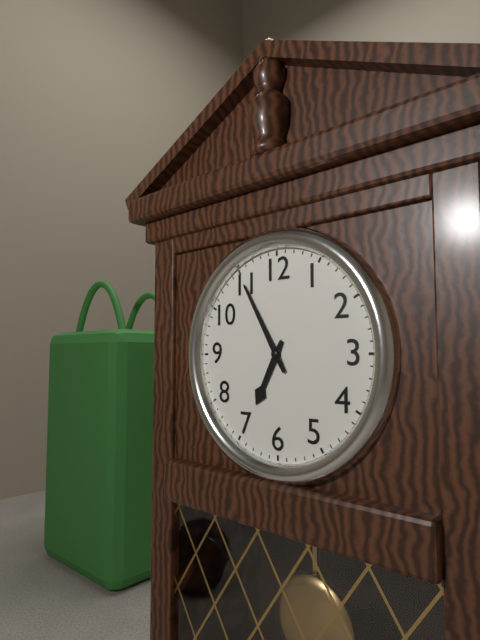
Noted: {"hour": 6, "minute": 55}
